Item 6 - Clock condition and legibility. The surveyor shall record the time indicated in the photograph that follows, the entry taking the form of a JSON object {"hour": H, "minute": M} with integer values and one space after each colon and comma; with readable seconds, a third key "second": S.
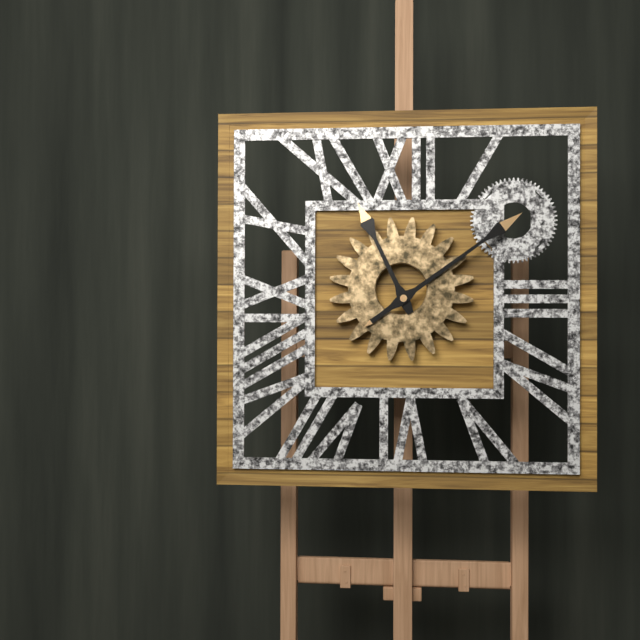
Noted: {"hour": 11, "minute": 9}
